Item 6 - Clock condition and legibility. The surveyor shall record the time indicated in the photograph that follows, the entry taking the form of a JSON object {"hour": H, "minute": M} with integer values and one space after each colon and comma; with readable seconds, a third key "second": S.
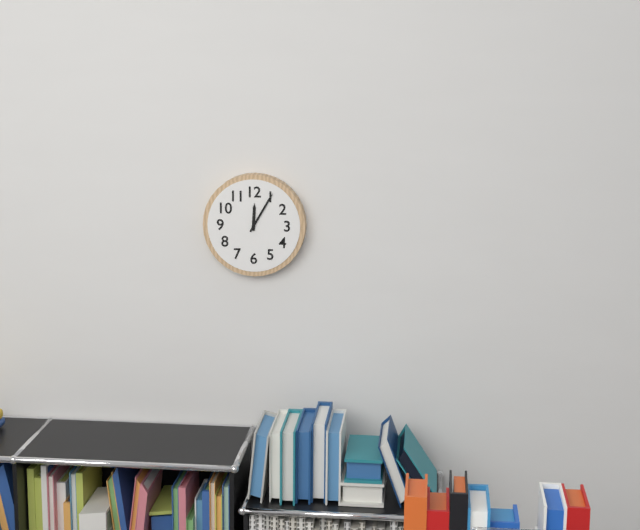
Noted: {"hour": 12, "minute": 5}
